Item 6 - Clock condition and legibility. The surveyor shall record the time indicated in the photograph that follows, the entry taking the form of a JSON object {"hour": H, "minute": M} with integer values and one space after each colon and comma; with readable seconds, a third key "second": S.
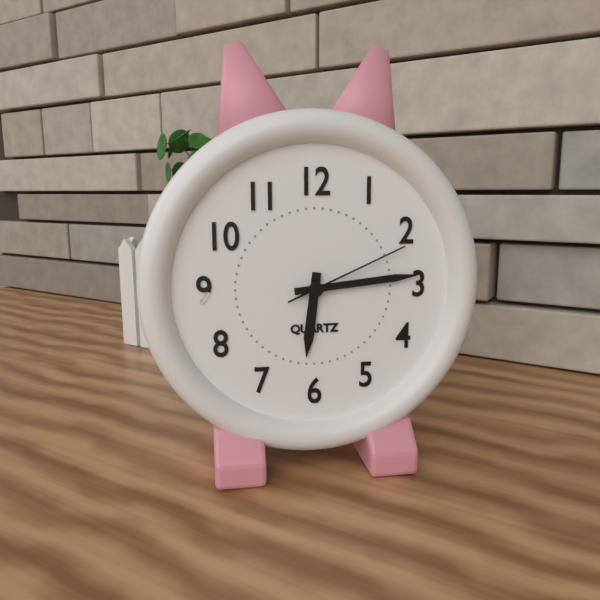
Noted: {"hour": 6, "minute": 14, "second": 11}
